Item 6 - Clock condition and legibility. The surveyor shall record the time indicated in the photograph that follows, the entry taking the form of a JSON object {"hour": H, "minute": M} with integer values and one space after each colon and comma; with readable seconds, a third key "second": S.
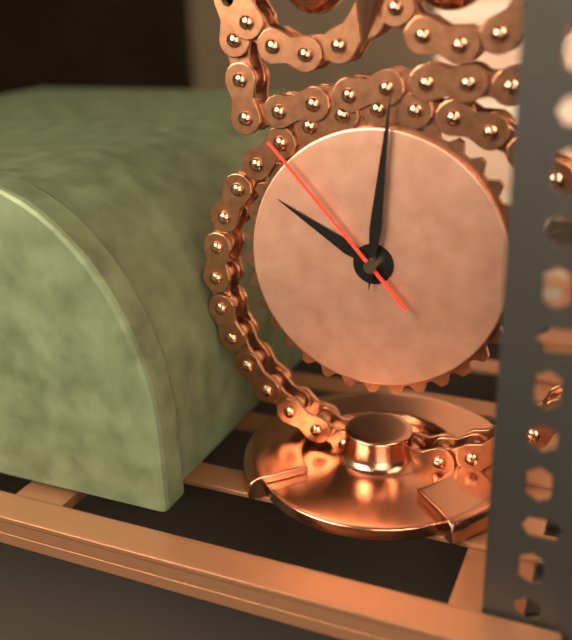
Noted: {"hour": 10, "minute": 1, "second": 53}
